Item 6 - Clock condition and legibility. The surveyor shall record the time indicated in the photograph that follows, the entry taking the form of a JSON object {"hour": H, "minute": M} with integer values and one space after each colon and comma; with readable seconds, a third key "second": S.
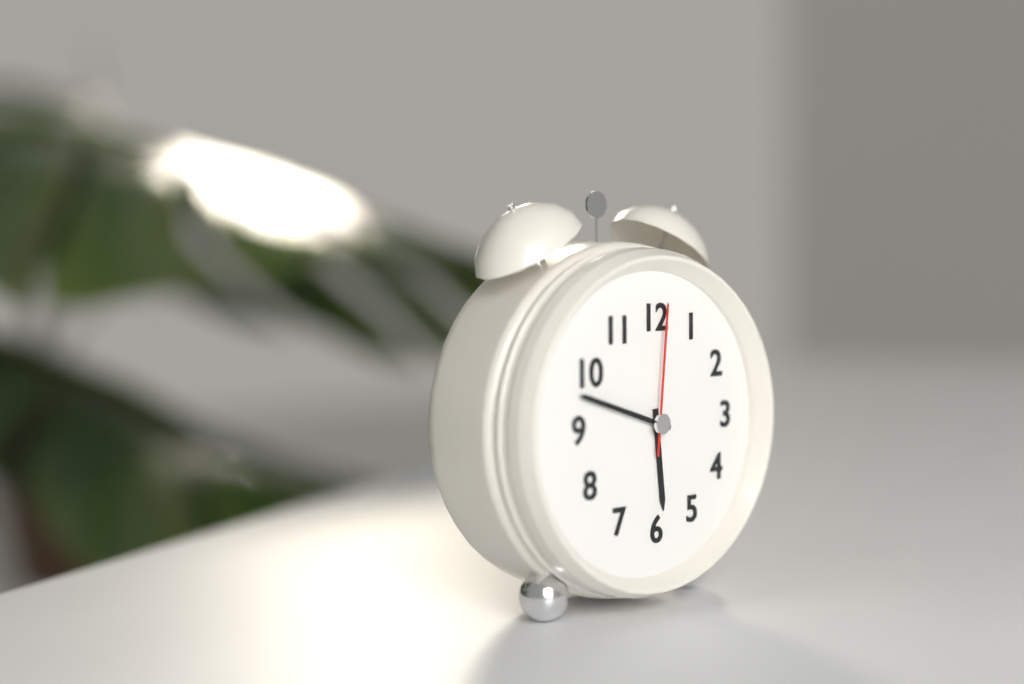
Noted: {"hour": 5, "minute": 48, "second": 1}
